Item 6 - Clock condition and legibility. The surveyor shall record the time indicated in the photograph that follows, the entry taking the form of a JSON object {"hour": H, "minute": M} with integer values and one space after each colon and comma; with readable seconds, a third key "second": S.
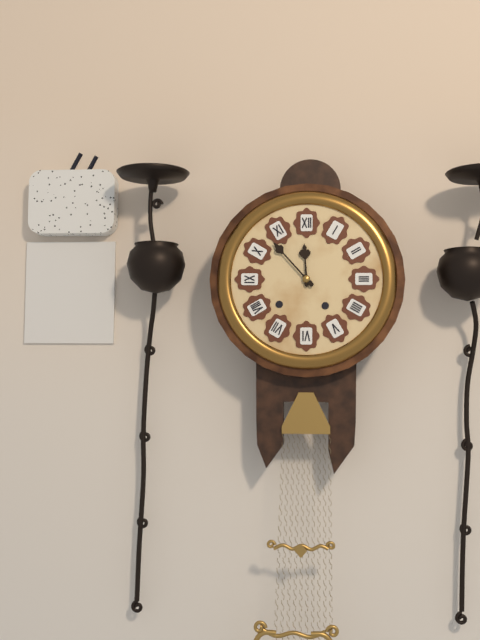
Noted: {"hour": 11, "minute": 53}
